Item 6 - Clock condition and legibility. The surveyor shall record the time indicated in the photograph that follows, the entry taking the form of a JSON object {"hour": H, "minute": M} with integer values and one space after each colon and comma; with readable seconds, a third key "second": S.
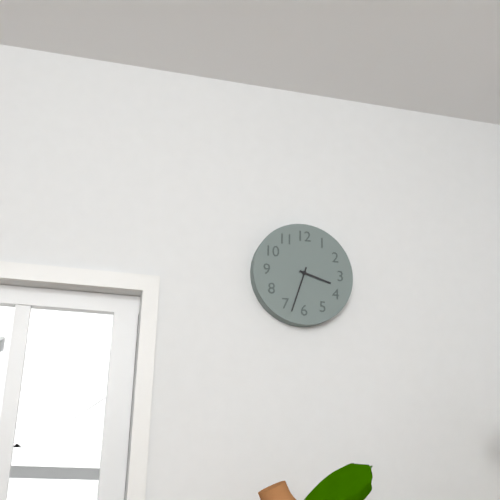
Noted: {"hour": 3, "minute": 33}
